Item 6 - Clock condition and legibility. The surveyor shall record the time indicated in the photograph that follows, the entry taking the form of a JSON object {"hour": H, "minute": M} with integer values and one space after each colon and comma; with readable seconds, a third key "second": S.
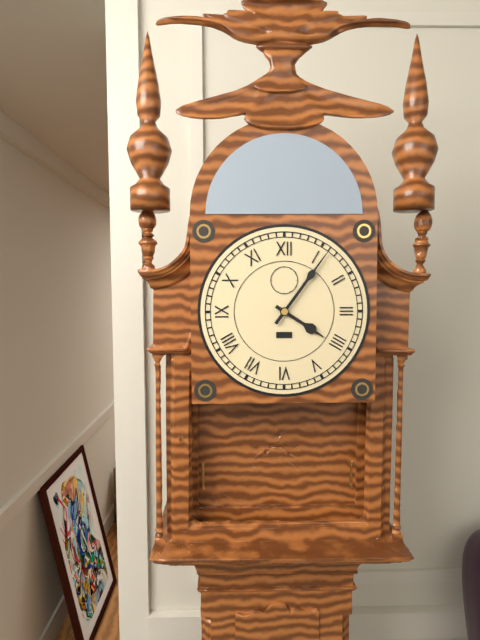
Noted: {"hour": 4, "minute": 6}
